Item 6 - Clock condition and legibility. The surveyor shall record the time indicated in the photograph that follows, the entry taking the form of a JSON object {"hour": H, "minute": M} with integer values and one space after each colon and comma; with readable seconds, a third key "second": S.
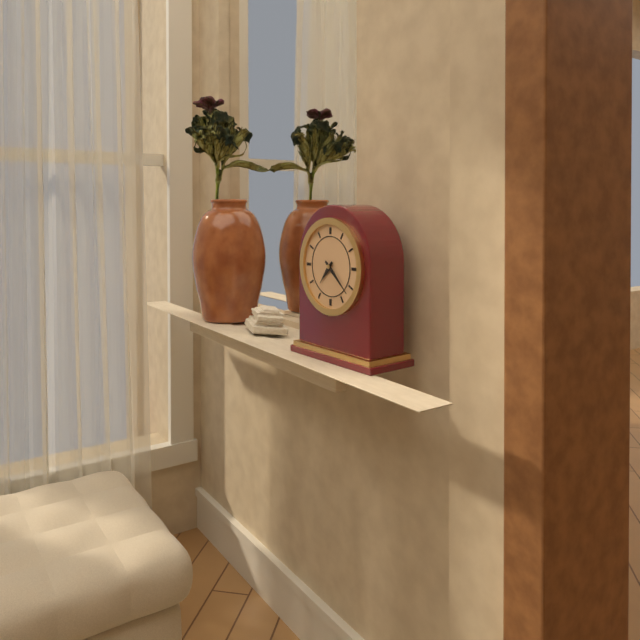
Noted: {"hour": 7, "minute": 22}
